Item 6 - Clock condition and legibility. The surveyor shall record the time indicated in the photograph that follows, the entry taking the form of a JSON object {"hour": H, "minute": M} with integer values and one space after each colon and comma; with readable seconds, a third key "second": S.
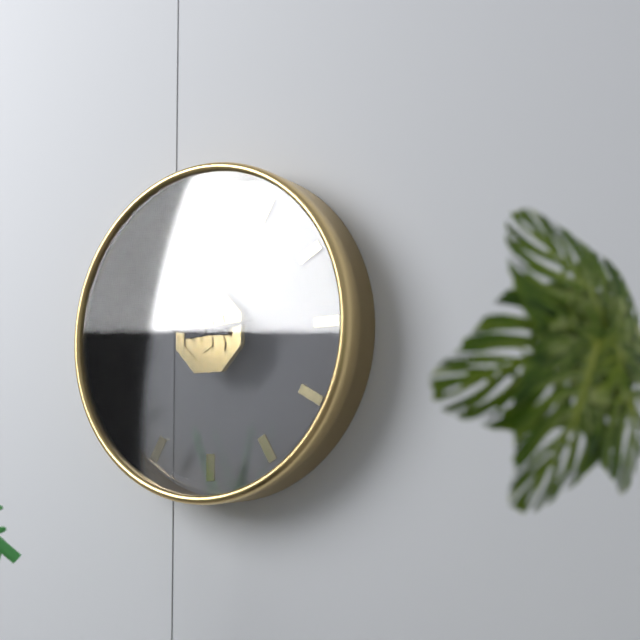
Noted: {"hour": 2, "minute": 46}
